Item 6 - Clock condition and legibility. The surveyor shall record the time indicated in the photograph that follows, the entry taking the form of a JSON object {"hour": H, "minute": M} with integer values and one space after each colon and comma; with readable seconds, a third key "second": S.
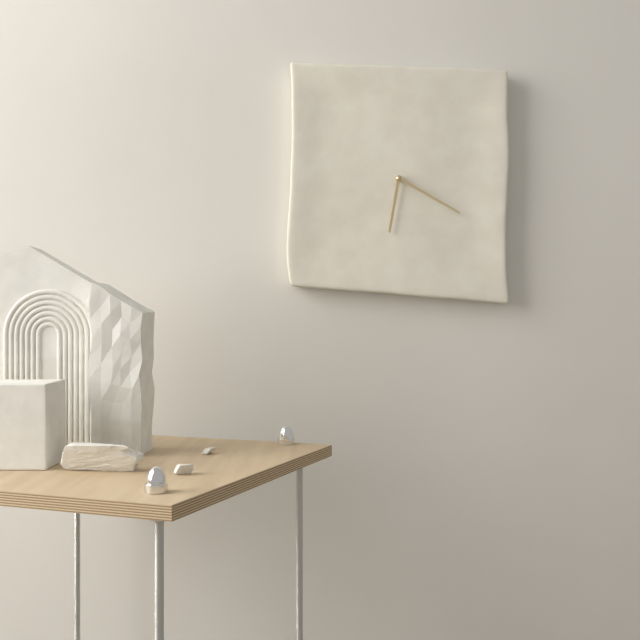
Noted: {"hour": 6, "minute": 20}
